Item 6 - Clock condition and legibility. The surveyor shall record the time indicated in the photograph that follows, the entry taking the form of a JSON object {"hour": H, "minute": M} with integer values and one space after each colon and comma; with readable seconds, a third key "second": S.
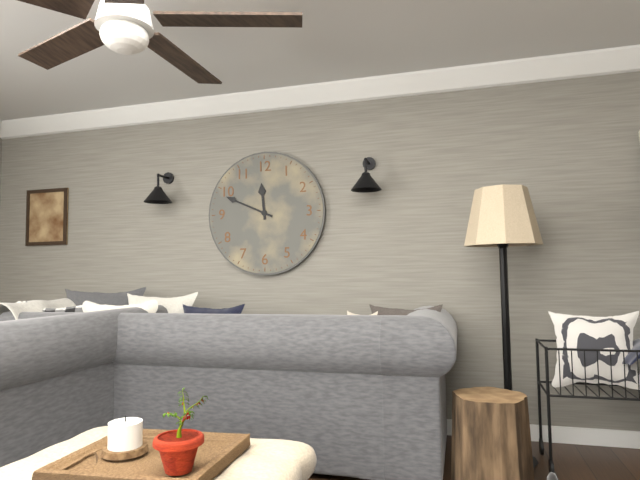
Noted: {"hour": 11, "minute": 49}
